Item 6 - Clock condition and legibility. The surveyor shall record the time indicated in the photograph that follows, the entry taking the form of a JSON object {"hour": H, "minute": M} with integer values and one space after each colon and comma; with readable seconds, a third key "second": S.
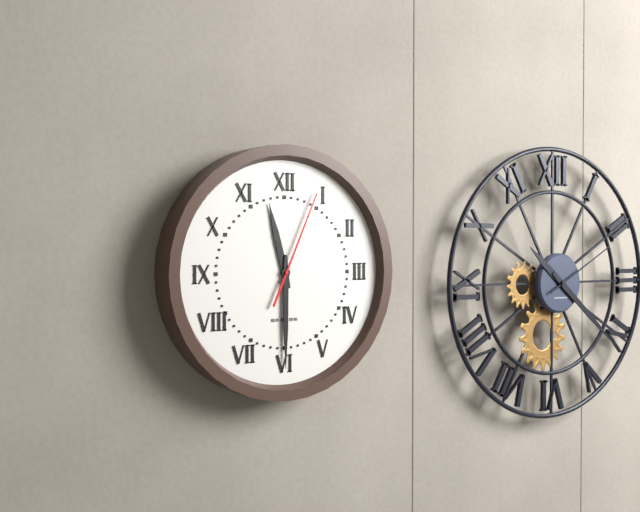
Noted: {"hour": 11, "minute": 30, "second": 4}
